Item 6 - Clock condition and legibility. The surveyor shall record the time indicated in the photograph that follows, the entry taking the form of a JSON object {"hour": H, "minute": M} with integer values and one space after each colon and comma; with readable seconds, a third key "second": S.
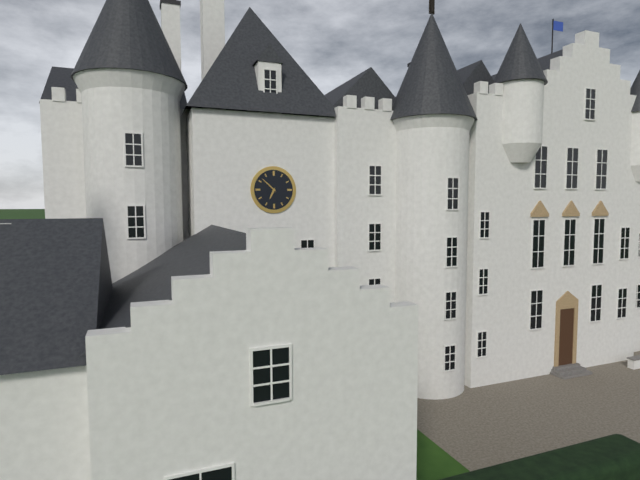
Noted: {"hour": 6, "minute": 52}
